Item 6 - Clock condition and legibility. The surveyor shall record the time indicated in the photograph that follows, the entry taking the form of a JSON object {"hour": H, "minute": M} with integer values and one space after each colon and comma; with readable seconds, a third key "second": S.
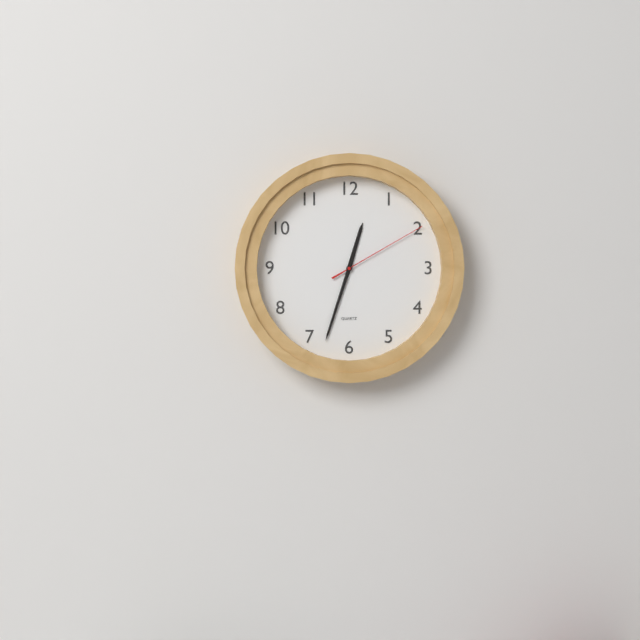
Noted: {"hour": 12, "minute": 33, "second": 10}
